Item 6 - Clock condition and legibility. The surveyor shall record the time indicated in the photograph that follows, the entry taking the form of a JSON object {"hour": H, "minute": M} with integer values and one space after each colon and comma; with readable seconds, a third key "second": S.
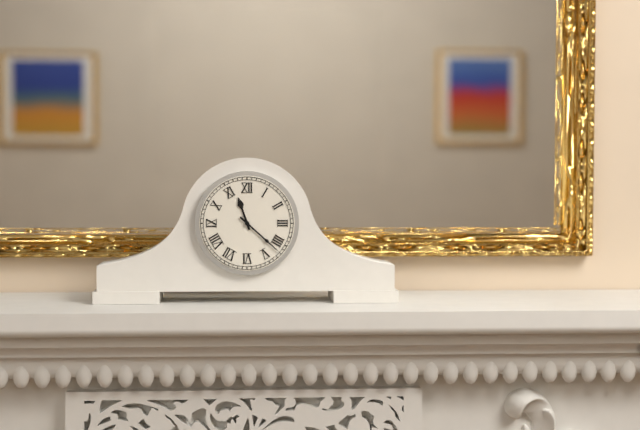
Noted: {"hour": 11, "minute": 22}
